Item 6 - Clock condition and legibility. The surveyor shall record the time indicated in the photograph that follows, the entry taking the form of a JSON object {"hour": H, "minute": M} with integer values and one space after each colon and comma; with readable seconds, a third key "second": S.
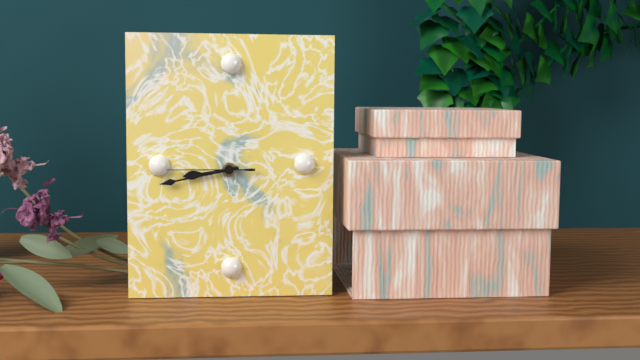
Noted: {"hour": 8, "minute": 43, "second": 45}
